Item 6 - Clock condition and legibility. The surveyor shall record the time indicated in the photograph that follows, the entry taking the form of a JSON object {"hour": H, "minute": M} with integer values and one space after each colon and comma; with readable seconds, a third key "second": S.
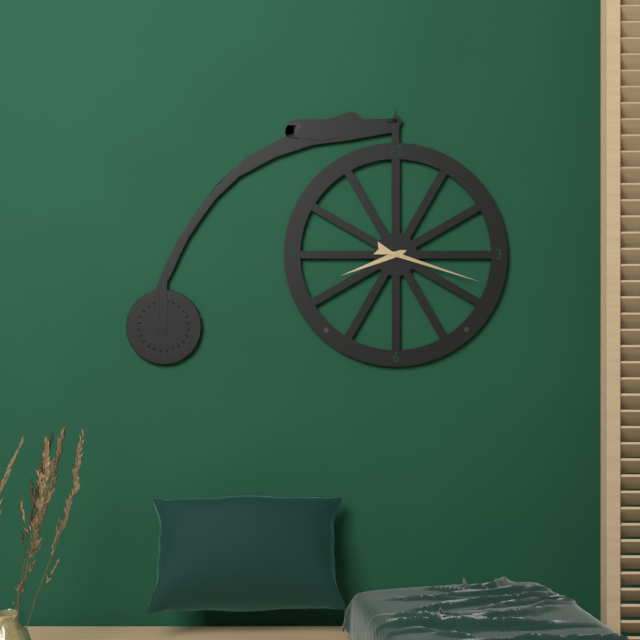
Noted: {"hour": 8, "minute": 18}
